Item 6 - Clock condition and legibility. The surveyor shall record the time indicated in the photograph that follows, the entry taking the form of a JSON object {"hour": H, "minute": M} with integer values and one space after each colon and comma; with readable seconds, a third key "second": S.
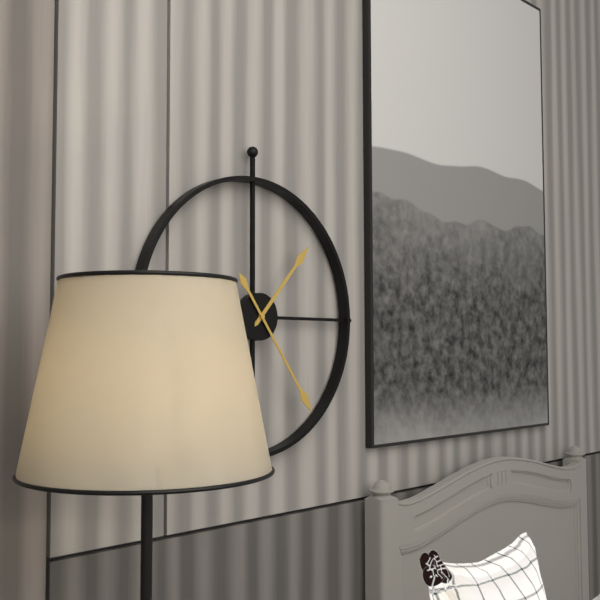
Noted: {"hour": 1, "minute": 24}
